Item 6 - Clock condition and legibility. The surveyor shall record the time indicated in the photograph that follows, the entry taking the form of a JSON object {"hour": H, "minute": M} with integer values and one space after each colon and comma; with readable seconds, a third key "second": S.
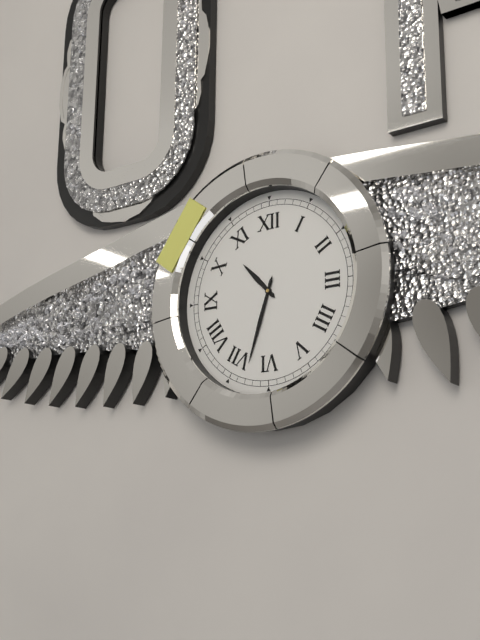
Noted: {"hour": 10, "minute": 33}
